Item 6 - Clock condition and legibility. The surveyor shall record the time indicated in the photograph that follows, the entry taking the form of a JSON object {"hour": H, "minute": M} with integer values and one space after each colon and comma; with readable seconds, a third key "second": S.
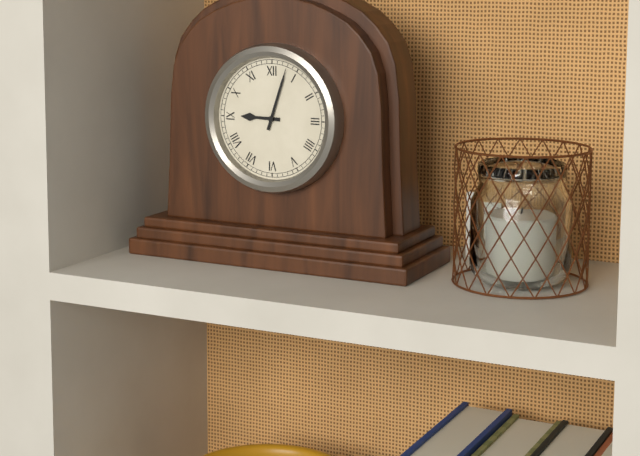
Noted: {"hour": 9, "minute": 3}
